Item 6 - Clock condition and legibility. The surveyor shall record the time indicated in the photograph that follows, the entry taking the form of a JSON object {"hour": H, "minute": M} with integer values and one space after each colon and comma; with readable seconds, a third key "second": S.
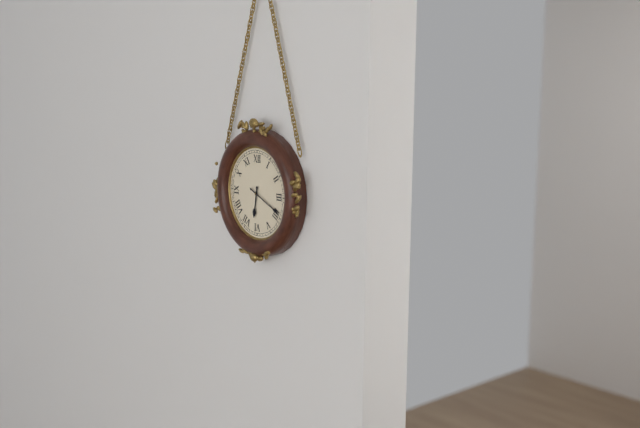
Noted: {"hour": 6, "minute": 19}
